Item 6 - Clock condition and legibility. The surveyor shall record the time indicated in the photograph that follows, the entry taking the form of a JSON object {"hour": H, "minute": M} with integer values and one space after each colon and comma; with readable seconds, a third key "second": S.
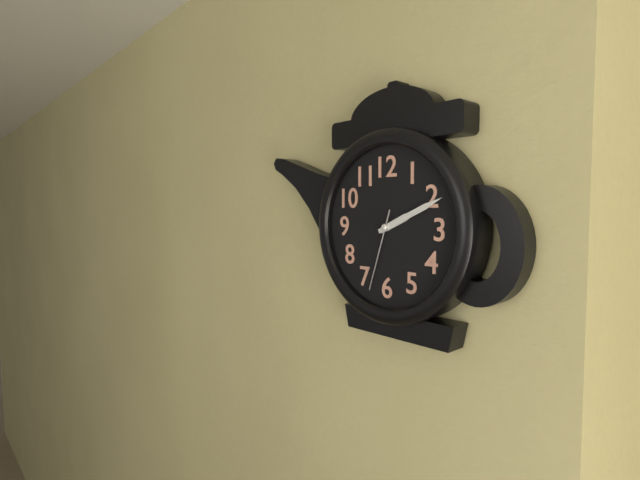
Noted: {"hour": 2, "minute": 11, "second": 33}
